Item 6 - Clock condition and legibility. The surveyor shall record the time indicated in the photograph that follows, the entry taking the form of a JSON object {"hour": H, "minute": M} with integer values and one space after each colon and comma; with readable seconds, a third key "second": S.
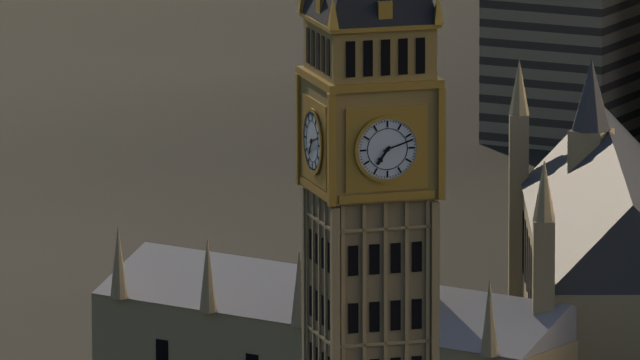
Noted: {"hour": 7, "minute": 12}
